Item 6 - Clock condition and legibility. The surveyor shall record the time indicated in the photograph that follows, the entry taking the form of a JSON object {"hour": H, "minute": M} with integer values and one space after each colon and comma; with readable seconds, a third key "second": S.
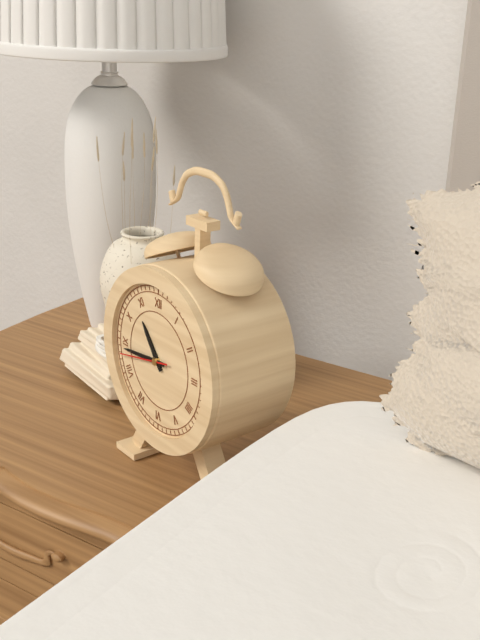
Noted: {"hour": 10, "minute": 44, "second": 43}
